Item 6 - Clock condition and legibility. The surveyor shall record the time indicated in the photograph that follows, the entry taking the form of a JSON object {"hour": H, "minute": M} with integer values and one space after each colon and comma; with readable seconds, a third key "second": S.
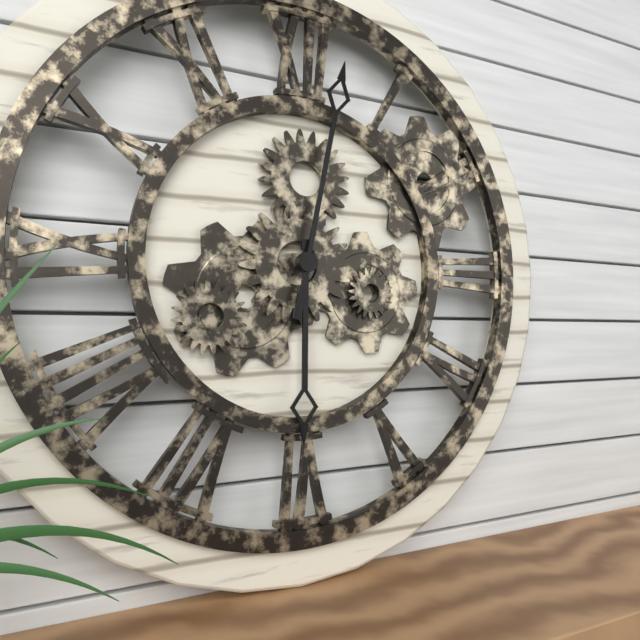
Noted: {"hour": 6, "minute": 2}
